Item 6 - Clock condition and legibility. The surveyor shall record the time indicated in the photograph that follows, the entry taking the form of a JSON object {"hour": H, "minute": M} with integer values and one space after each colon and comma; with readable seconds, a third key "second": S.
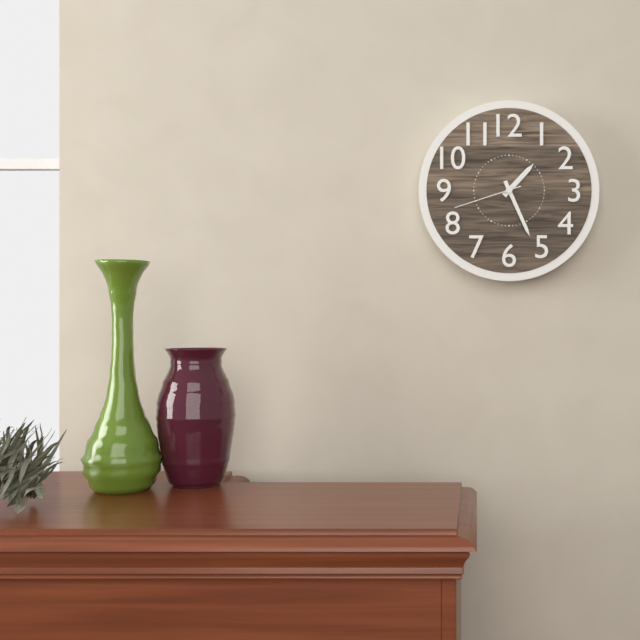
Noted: {"hour": 1, "minute": 26, "second": 42}
